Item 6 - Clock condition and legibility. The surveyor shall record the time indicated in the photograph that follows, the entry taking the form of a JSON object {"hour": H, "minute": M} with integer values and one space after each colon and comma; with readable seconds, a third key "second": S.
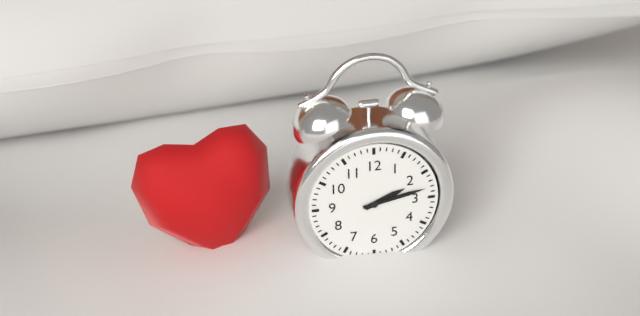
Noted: {"hour": 2, "minute": 13}
